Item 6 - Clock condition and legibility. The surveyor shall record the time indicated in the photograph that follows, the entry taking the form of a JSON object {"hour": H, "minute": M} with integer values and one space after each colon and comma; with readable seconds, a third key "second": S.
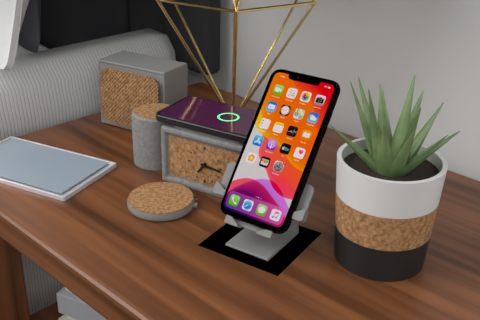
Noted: {"hour": 7, "minute": 16}
